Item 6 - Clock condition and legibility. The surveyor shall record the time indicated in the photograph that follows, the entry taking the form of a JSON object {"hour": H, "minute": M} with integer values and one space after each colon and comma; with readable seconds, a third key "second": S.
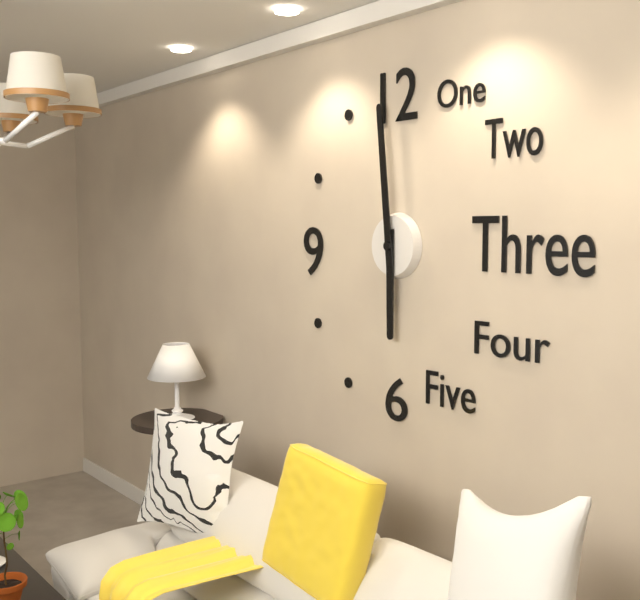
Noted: {"hour": 5, "minute": 59}
